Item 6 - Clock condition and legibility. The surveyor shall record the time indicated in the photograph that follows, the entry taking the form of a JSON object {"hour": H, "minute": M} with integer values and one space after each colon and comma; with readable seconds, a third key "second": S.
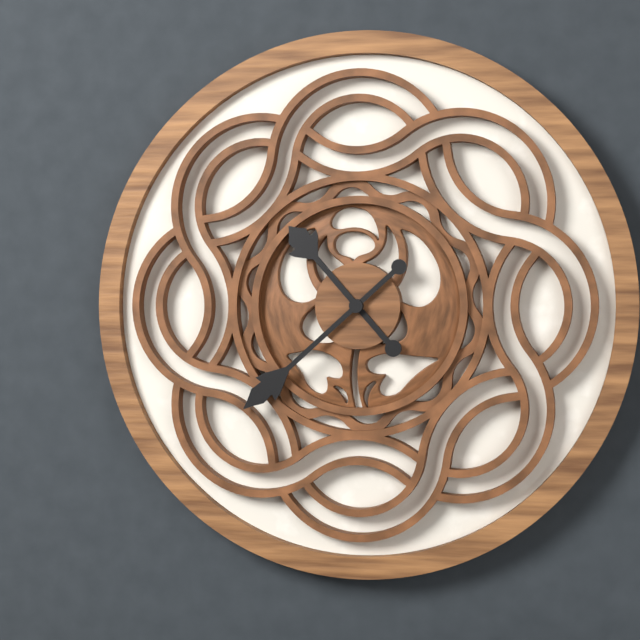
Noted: {"hour": 10, "minute": 38}
